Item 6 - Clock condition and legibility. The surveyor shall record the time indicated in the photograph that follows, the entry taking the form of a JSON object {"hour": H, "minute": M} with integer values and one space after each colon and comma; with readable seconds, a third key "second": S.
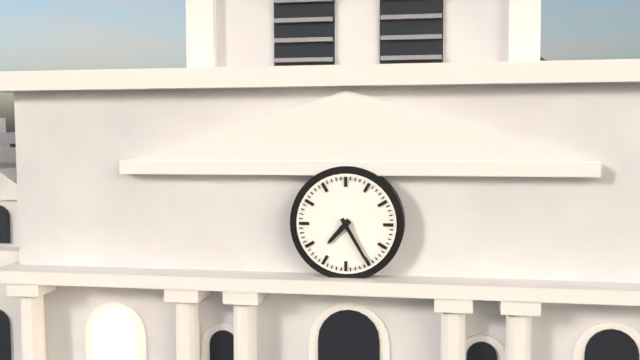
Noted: {"hour": 7, "minute": 25}
